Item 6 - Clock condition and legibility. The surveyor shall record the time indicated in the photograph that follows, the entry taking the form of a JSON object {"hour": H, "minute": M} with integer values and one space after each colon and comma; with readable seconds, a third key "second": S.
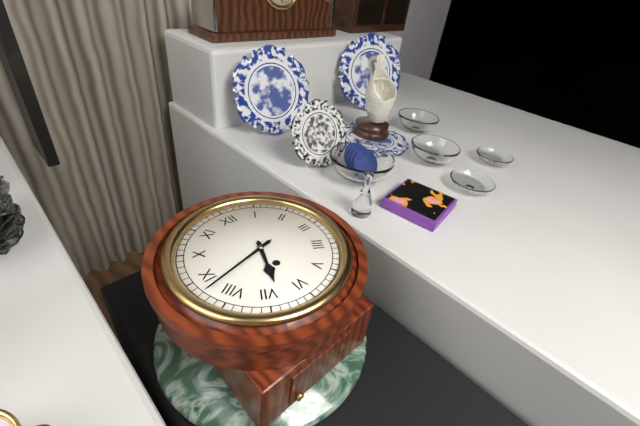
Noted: {"hour": 6, "minute": 43}
